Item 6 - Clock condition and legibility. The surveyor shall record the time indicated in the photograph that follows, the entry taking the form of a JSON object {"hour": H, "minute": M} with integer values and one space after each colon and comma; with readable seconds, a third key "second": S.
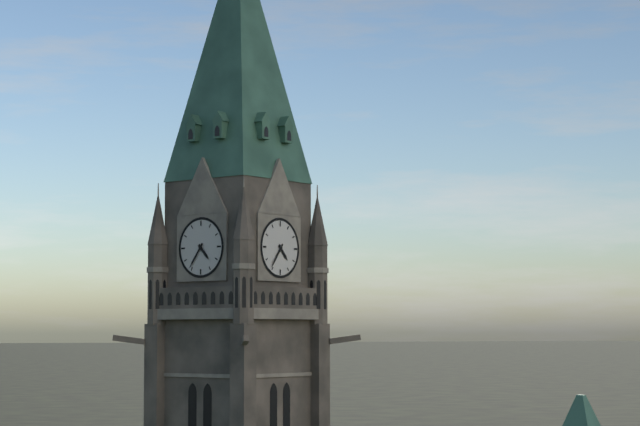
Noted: {"hour": 4, "minute": 36}
